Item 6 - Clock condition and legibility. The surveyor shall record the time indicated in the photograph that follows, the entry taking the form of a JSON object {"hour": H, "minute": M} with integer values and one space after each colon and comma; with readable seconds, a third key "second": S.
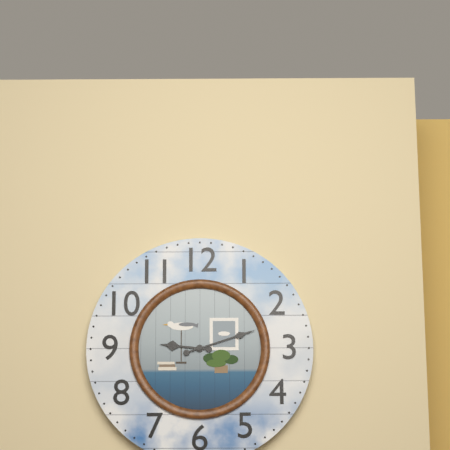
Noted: {"hour": 9, "minute": 12}
